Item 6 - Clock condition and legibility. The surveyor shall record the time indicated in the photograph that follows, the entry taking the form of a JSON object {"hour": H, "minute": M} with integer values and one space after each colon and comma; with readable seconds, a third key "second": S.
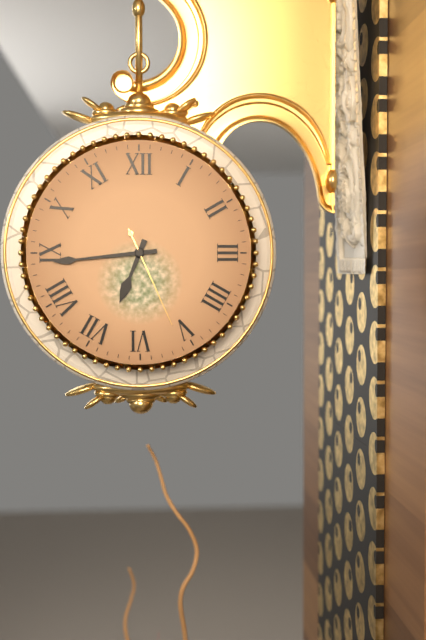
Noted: {"hour": 6, "minute": 44, "second": 26}
